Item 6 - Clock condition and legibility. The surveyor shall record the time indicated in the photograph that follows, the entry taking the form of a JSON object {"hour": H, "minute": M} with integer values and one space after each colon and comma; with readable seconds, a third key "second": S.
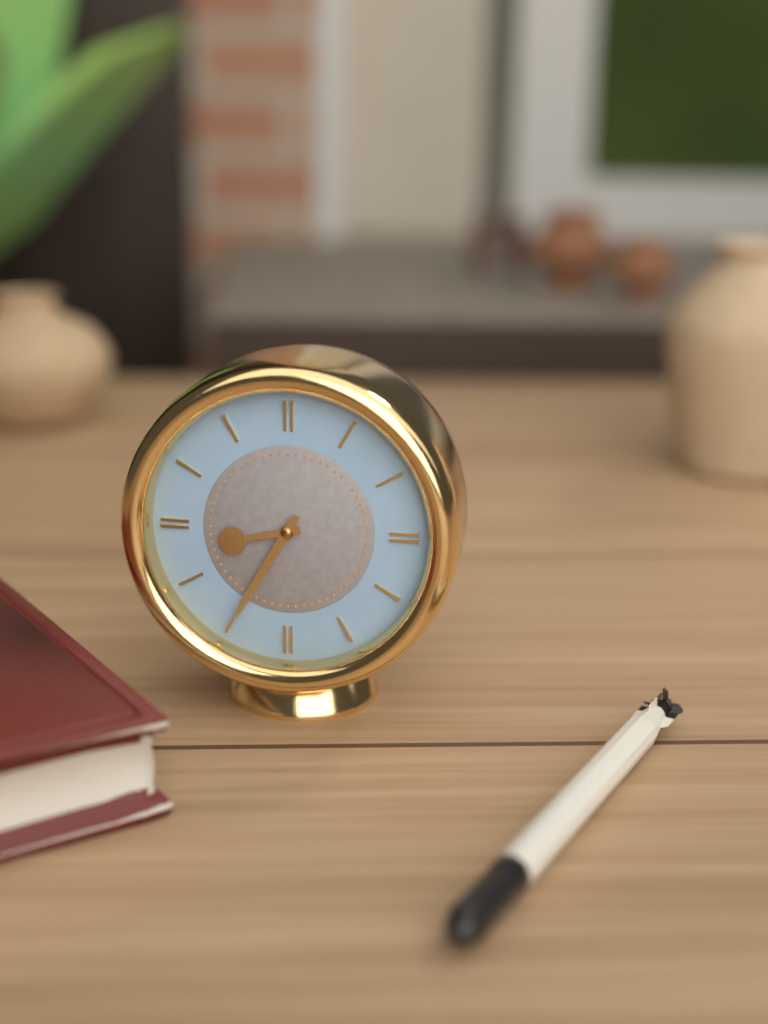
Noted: {"hour": 8, "minute": 35}
